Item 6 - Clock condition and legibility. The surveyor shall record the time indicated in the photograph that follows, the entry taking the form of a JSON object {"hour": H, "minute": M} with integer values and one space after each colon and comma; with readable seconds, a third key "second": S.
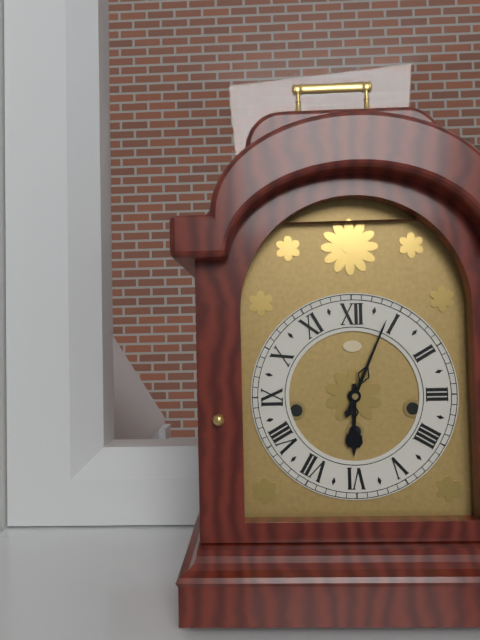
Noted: {"hour": 6, "minute": 4}
